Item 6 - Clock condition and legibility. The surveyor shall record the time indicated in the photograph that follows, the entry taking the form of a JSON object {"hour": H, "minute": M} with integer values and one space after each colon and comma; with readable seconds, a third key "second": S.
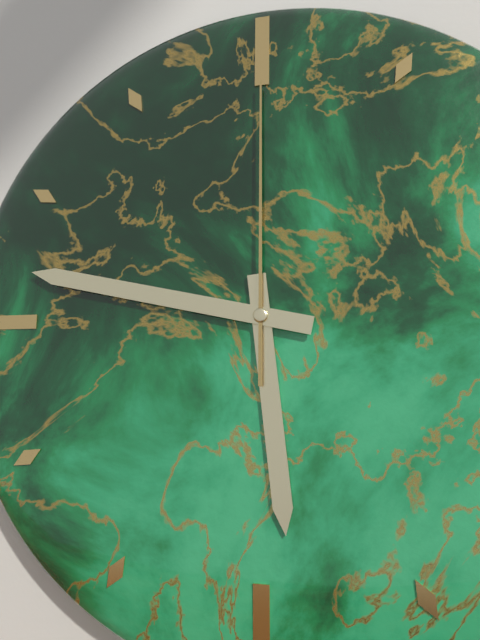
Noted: {"hour": 5, "minute": 47, "second": 0}
